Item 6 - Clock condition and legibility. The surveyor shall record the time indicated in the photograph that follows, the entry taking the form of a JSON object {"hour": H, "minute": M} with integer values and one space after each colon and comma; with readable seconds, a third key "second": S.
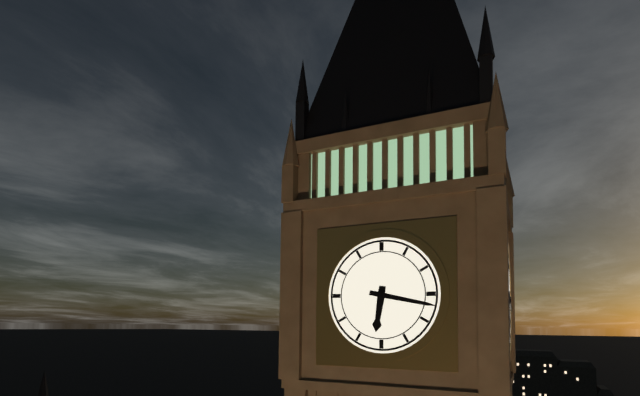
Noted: {"hour": 6, "minute": 17}
